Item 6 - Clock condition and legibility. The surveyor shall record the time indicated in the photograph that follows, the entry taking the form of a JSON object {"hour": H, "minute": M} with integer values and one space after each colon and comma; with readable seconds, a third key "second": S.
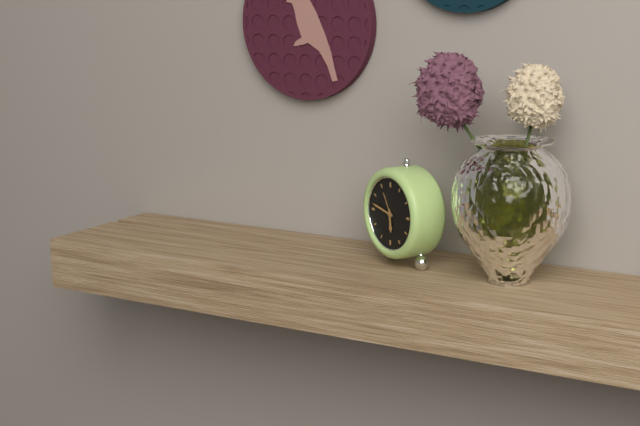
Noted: {"hour": 5, "minute": 47}
